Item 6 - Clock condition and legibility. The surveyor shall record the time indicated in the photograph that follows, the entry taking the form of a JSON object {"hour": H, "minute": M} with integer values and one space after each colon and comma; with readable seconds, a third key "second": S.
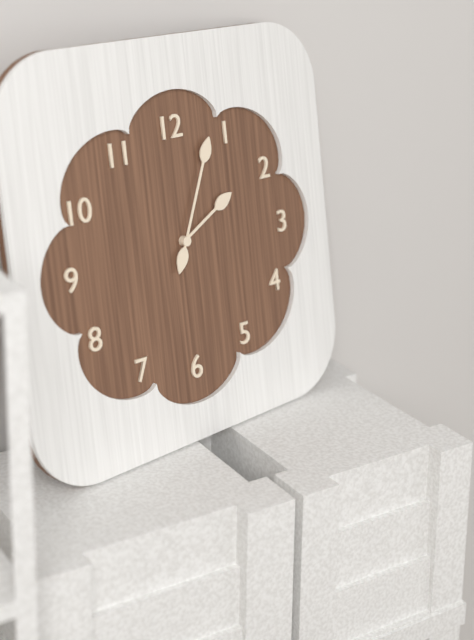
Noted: {"hour": 2, "minute": 4}
